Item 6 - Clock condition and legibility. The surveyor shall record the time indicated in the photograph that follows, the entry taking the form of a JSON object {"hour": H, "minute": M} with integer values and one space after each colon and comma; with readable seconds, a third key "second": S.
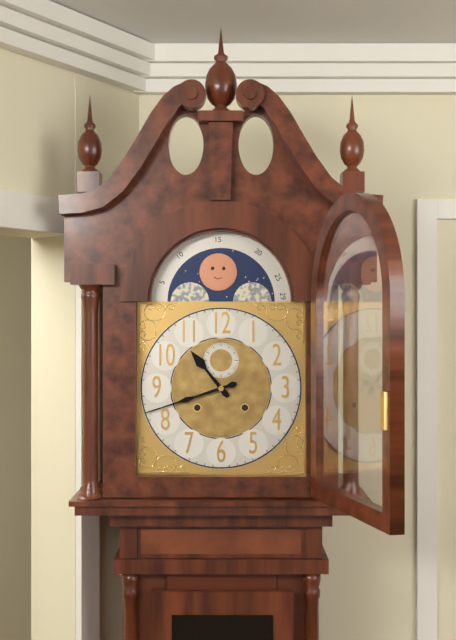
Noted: {"hour": 10, "minute": 42}
